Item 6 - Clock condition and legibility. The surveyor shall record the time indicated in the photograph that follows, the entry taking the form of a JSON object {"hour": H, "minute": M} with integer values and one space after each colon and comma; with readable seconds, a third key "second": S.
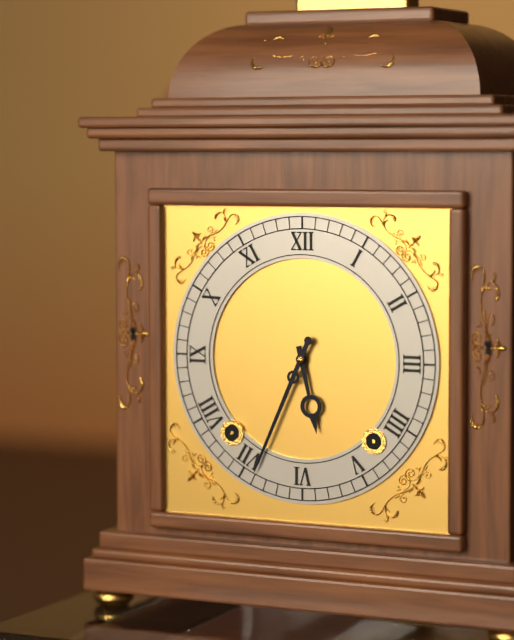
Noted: {"hour": 5, "minute": 34}
